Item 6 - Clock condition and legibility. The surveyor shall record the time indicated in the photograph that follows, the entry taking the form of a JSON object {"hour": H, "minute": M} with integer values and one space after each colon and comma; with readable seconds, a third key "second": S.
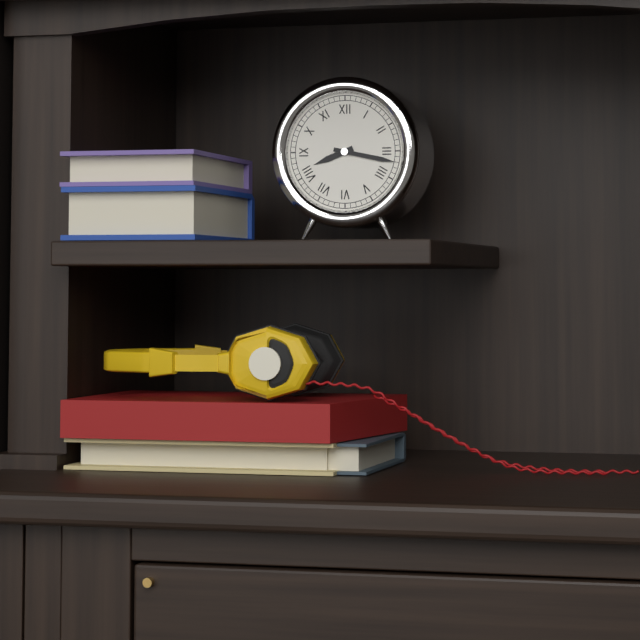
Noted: {"hour": 8, "minute": 17}
